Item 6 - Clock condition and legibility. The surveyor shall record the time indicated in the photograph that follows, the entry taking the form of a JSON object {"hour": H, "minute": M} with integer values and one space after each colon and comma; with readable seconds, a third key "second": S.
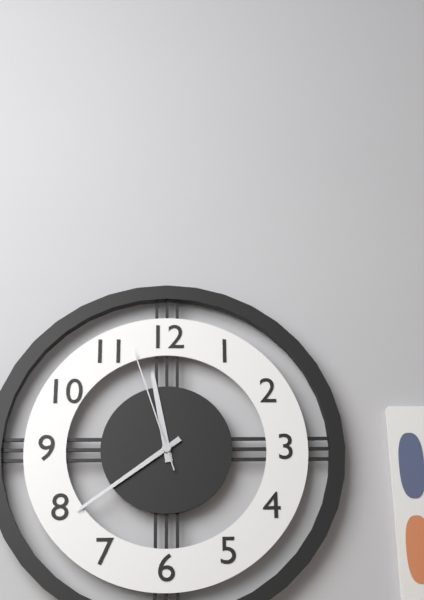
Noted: {"hour": 11, "minute": 39, "second": 57}
